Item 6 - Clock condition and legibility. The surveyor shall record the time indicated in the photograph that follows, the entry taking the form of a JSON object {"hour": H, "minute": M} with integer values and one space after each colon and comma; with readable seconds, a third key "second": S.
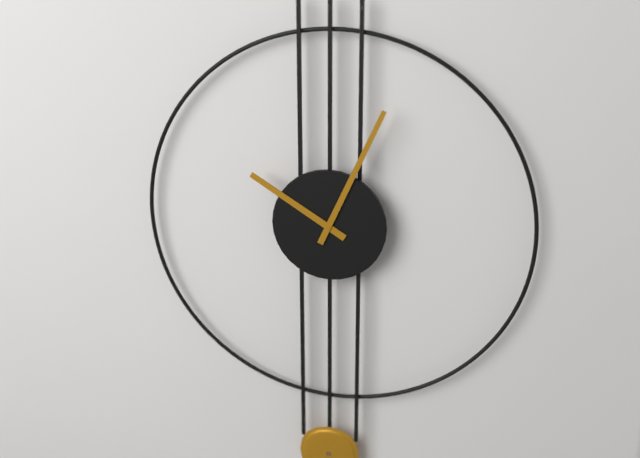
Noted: {"hour": 10, "minute": 4}
